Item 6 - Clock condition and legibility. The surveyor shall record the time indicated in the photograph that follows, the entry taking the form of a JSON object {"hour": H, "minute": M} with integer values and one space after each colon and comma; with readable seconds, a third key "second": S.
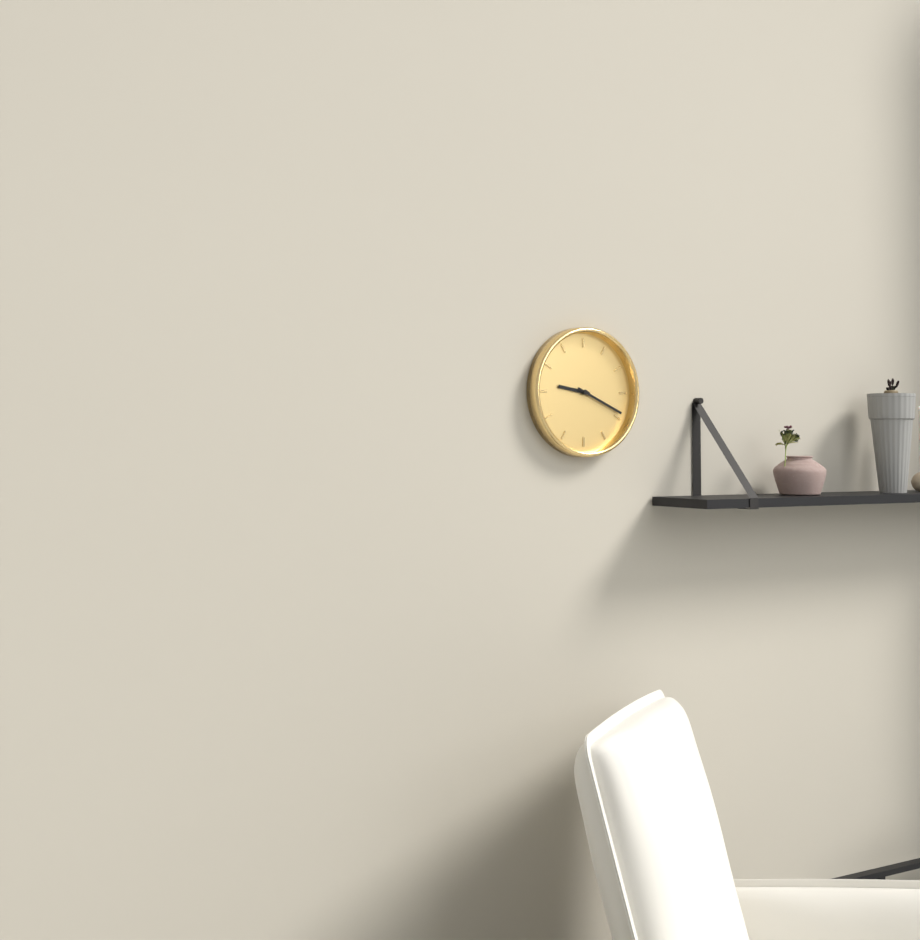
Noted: {"hour": 9, "minute": 19}
